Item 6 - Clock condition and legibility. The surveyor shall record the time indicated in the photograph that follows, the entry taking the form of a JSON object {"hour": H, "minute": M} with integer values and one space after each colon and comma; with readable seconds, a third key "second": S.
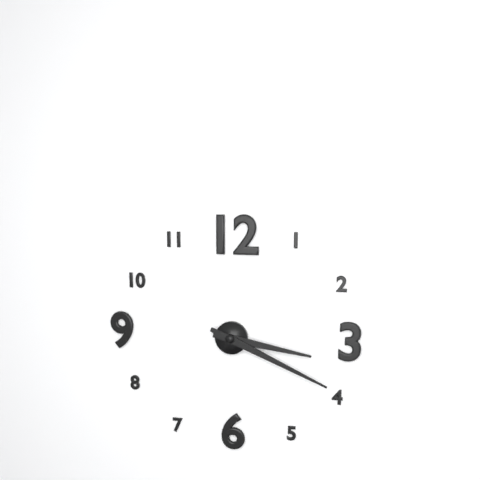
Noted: {"hour": 3, "minute": 19}
